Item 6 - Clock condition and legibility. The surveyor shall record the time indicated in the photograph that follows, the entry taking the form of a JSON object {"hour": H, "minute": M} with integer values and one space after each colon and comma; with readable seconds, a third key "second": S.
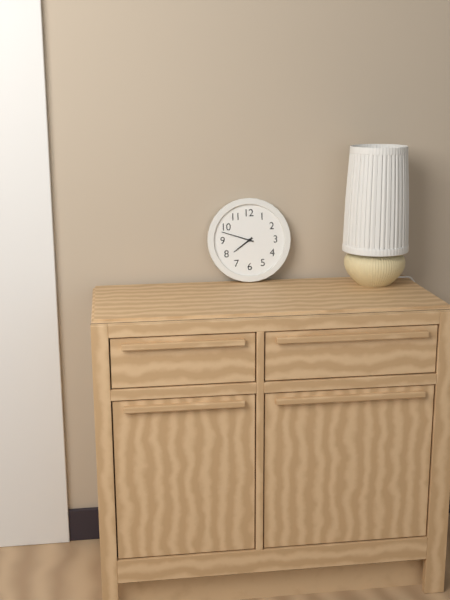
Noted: {"hour": 7, "minute": 48}
